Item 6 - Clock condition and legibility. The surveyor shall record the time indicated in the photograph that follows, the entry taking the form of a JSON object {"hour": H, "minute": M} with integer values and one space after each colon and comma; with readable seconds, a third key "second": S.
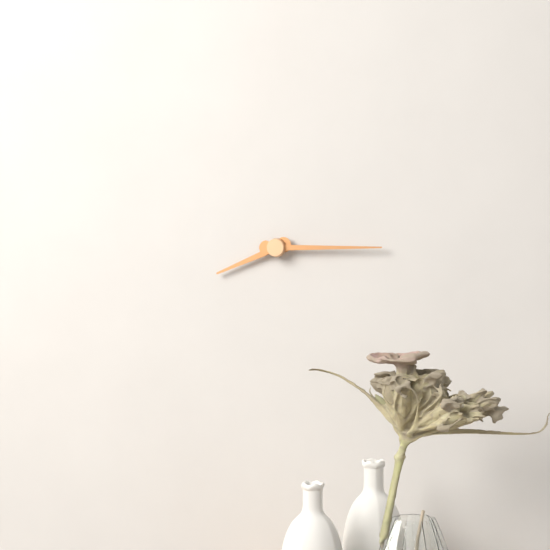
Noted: {"hour": 8, "minute": 15}
